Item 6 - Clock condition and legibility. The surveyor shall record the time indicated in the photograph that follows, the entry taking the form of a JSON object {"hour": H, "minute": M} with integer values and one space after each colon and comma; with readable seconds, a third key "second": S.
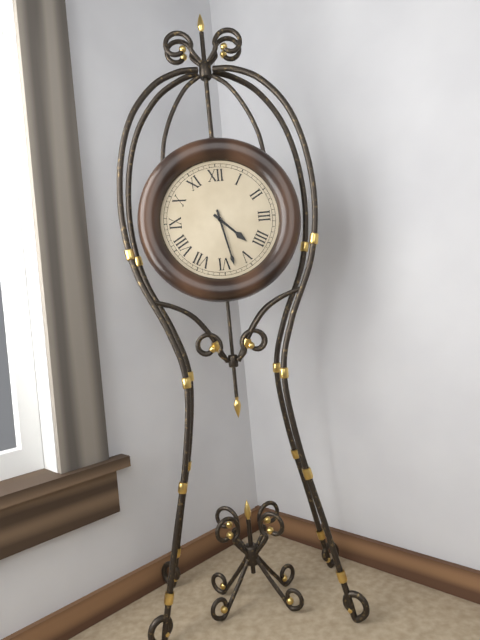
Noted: {"hour": 4, "minute": 28}
